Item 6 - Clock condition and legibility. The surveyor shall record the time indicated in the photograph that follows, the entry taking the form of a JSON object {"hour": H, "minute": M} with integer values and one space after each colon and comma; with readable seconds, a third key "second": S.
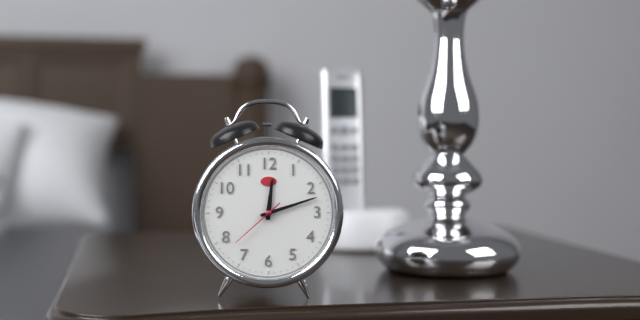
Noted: {"hour": 12, "minute": 12, "second": 38}
